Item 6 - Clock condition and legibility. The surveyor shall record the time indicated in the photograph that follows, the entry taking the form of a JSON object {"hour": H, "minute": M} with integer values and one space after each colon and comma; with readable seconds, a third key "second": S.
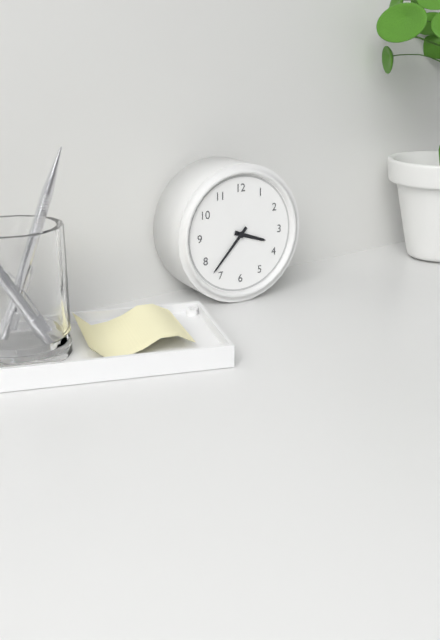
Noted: {"hour": 3, "minute": 37}
